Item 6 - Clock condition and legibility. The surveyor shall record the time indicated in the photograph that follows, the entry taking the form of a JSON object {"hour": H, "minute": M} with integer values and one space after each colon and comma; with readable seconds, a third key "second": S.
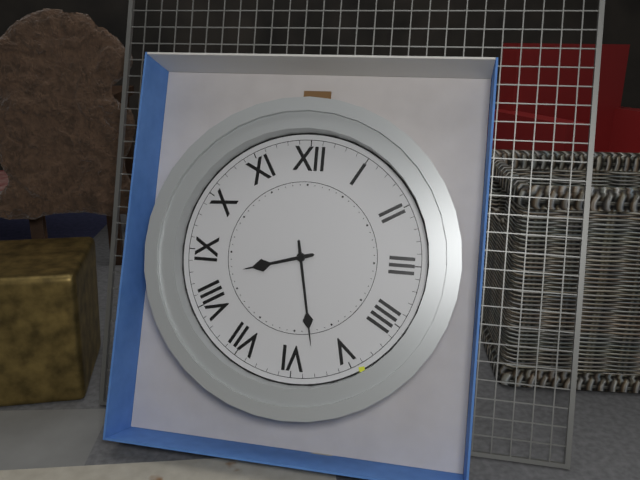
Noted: {"hour": 8, "minute": 28}
